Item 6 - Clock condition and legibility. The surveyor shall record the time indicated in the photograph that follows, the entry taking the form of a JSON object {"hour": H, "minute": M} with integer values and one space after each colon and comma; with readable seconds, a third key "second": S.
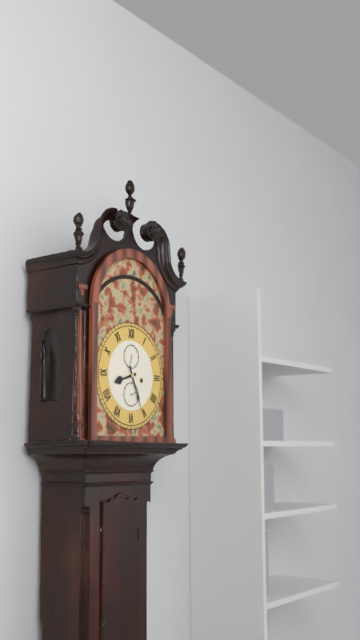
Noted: {"hour": 8, "minute": 26}
